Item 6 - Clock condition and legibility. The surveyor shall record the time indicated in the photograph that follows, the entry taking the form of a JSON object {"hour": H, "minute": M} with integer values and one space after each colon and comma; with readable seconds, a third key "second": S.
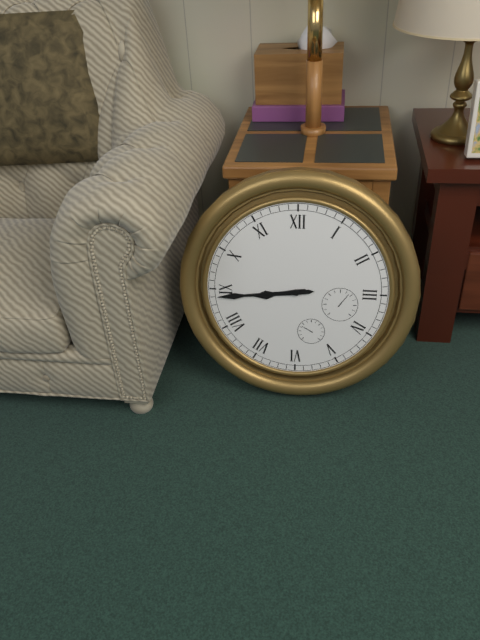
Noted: {"hour": 8, "minute": 44}
